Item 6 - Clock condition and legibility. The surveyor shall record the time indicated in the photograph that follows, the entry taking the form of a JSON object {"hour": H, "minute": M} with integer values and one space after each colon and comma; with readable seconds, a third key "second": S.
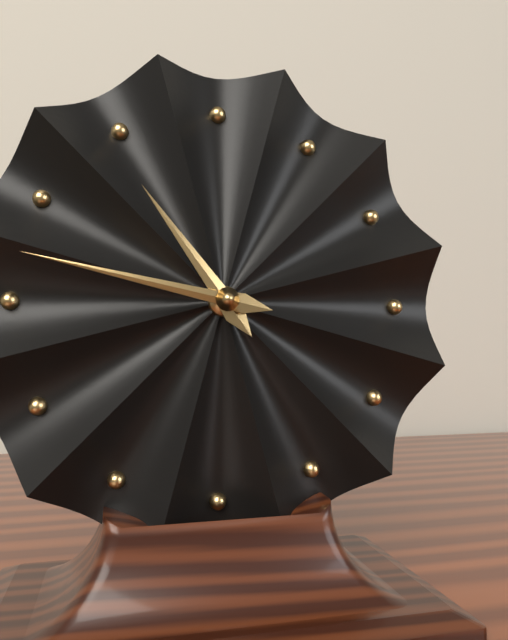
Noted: {"hour": 10, "minute": 47}
